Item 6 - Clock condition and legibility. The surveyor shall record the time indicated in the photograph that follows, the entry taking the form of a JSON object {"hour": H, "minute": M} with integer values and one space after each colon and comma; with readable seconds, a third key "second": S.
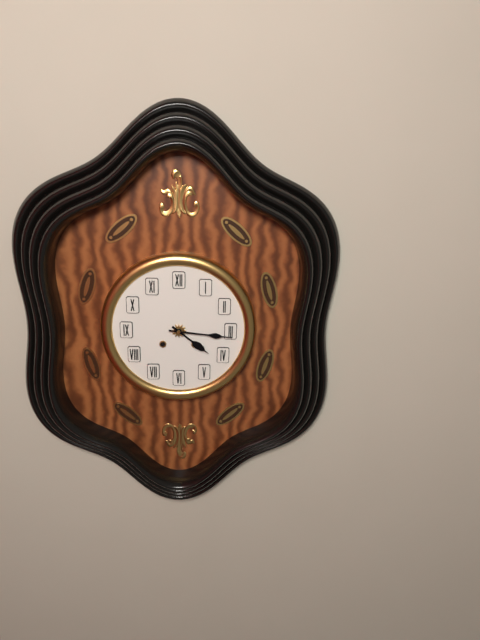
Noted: {"hour": 4, "minute": 16}
